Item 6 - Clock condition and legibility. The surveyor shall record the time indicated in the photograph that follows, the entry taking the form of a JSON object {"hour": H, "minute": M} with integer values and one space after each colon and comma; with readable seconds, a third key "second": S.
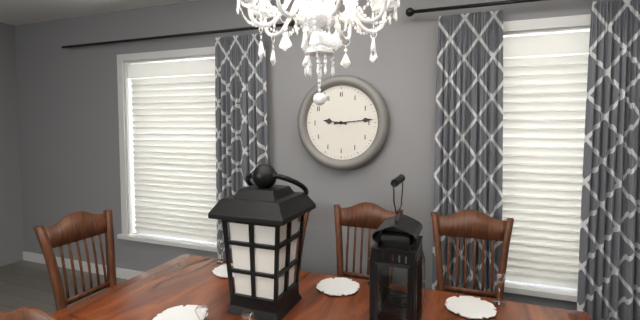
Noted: {"hour": 9, "minute": 14}
